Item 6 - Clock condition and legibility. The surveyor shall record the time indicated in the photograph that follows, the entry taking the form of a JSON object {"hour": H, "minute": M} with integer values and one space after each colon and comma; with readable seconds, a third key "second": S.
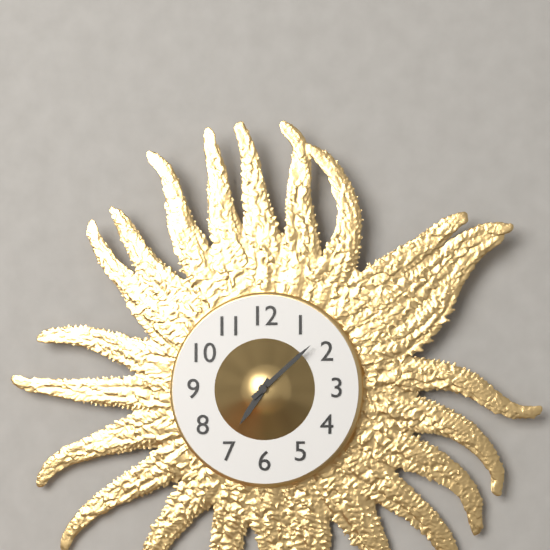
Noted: {"hour": 7, "minute": 8}
